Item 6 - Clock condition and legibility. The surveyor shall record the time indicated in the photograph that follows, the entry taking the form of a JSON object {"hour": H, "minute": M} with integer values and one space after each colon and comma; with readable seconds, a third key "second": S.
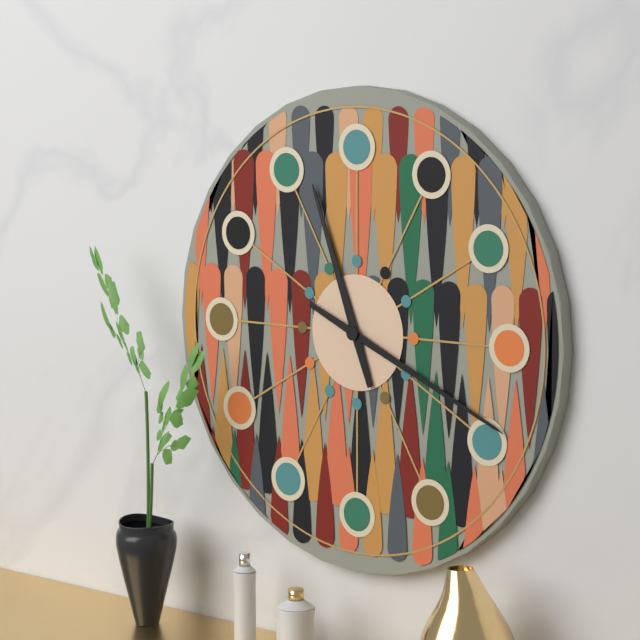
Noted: {"hour": 11, "minute": 19}
